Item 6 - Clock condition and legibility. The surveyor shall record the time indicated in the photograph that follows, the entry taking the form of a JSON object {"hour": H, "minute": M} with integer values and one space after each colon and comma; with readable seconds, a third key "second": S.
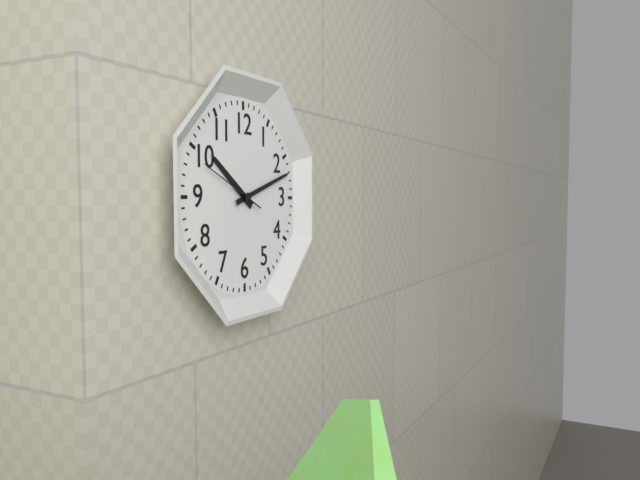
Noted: {"hour": 10, "minute": 12, "second": 49}
